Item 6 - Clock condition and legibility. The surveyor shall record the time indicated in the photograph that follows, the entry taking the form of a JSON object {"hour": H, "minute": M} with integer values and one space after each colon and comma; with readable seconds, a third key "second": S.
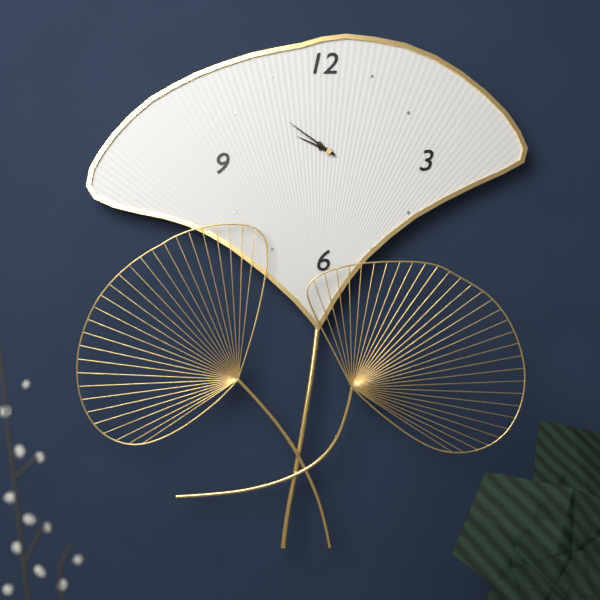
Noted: {"hour": 9, "minute": 51}
